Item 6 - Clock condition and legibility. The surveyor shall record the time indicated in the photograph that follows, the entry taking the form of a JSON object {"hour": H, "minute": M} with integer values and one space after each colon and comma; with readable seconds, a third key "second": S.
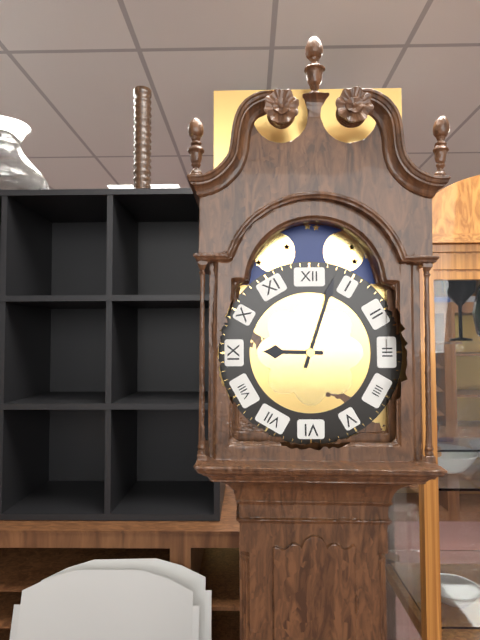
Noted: {"hour": 9, "minute": 3}
